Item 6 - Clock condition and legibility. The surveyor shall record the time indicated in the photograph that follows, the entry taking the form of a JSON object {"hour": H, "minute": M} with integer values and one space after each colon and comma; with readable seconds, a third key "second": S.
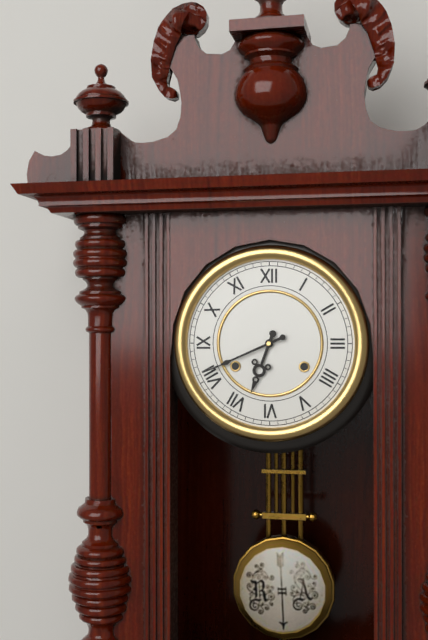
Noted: {"hour": 6, "minute": 41}
